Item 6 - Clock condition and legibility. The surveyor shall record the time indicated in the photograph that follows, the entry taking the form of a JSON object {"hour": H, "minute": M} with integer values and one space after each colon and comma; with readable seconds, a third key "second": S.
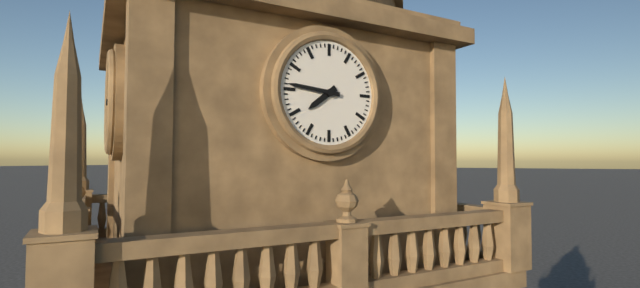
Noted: {"hour": 7, "minute": 46}
